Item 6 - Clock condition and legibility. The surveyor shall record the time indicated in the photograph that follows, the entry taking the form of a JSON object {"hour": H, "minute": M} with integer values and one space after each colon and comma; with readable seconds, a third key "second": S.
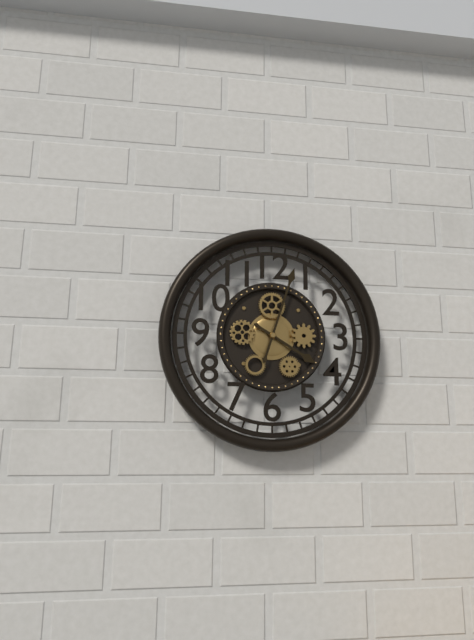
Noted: {"hour": 4, "minute": 3}
